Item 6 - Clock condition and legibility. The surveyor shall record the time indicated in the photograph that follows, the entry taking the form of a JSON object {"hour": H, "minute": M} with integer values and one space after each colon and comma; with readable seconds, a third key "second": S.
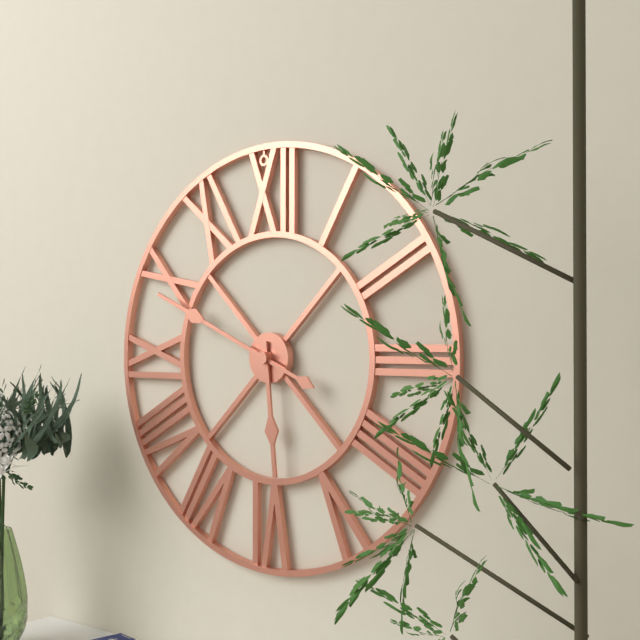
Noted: {"hour": 5, "minute": 49}
